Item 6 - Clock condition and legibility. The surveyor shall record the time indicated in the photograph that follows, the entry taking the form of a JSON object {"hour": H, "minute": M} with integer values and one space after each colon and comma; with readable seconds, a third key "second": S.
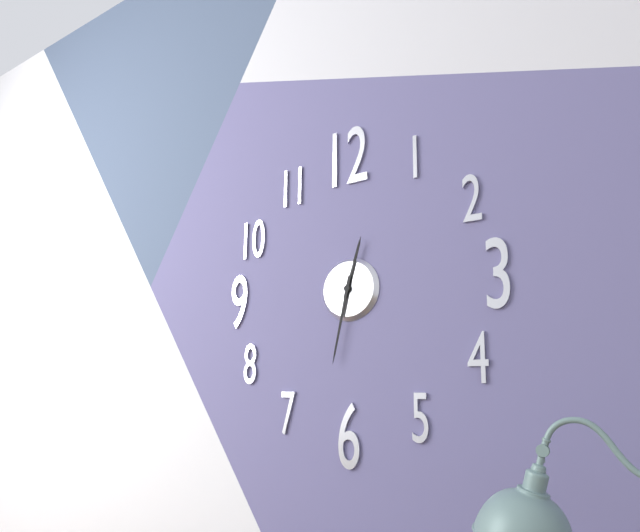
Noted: {"hour": 12, "minute": 32}
